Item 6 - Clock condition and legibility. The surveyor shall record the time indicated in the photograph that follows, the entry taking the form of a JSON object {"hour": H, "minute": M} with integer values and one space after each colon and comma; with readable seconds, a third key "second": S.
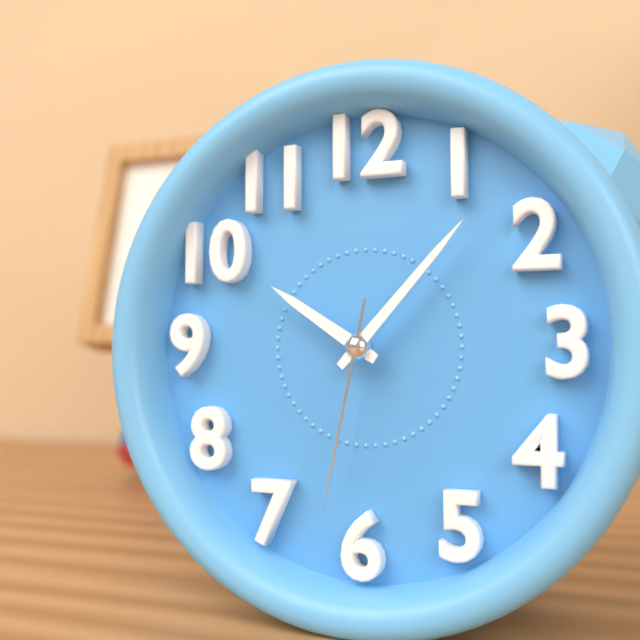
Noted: {"hour": 10, "minute": 7, "second": 32}
